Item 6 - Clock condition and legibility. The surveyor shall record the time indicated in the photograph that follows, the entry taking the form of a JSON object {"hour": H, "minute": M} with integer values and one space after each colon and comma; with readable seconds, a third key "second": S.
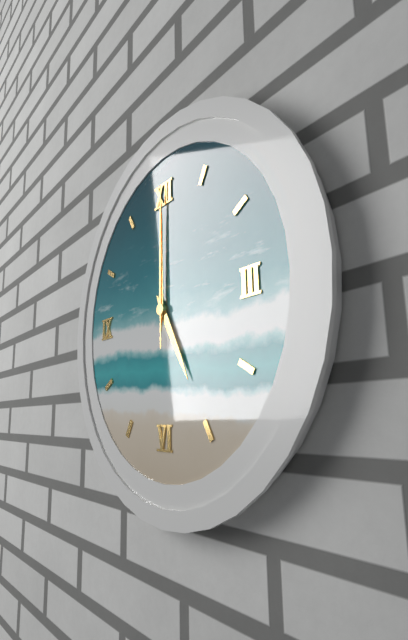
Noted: {"hour": 5, "minute": 0, "second": 0}
